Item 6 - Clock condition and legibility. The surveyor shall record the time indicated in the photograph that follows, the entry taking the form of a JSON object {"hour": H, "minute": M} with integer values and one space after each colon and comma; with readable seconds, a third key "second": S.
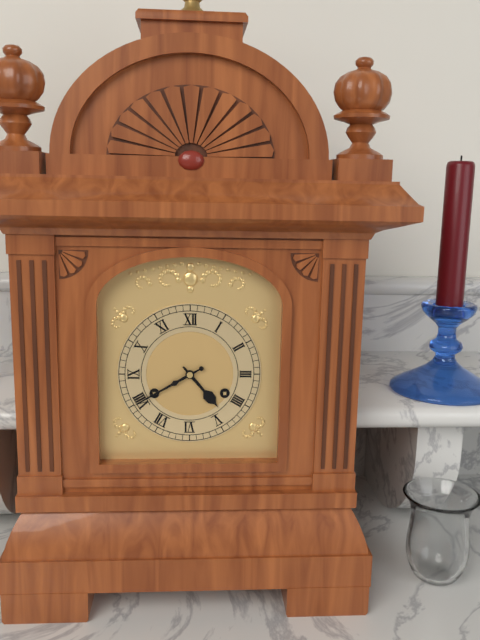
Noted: {"hour": 4, "minute": 40}
